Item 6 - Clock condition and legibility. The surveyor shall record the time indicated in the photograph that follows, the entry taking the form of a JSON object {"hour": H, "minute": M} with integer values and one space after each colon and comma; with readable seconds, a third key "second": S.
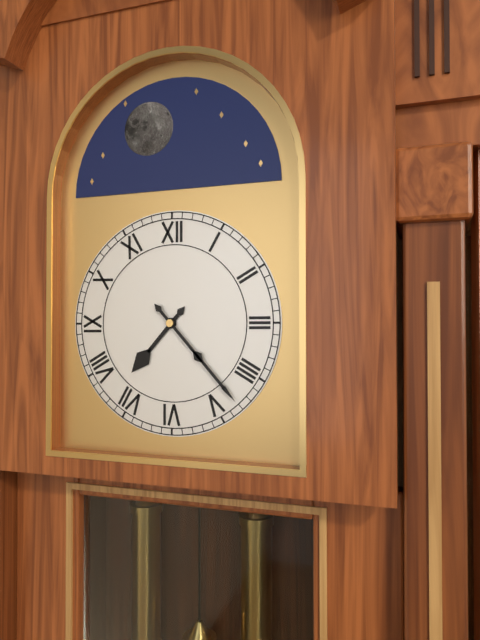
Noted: {"hour": 7, "minute": 23}
